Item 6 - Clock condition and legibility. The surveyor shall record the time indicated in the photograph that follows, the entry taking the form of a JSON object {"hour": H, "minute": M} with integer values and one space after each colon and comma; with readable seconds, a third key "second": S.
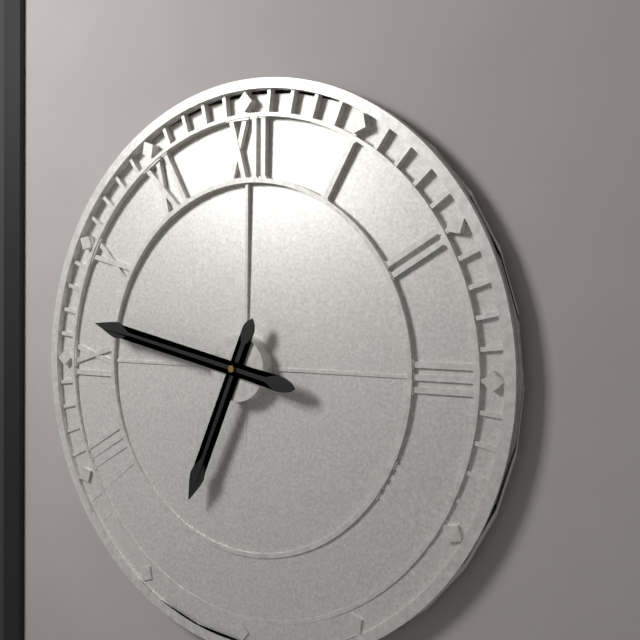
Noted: {"hour": 6, "minute": 47}
